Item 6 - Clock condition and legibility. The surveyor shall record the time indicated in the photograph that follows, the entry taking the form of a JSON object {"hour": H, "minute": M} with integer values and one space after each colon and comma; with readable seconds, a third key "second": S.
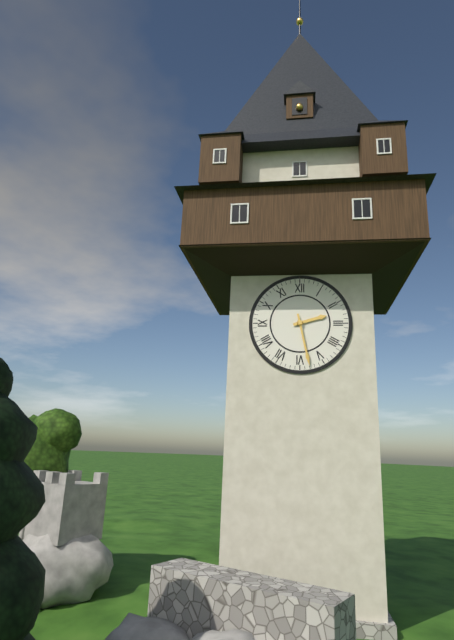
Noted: {"hour": 2, "minute": 28}
